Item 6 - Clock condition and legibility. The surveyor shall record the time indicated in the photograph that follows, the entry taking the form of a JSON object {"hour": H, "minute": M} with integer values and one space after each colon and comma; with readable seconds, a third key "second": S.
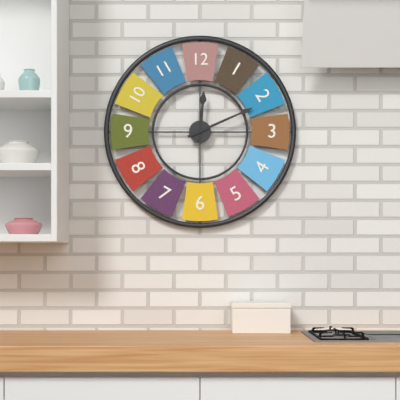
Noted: {"hour": 12, "minute": 11}
